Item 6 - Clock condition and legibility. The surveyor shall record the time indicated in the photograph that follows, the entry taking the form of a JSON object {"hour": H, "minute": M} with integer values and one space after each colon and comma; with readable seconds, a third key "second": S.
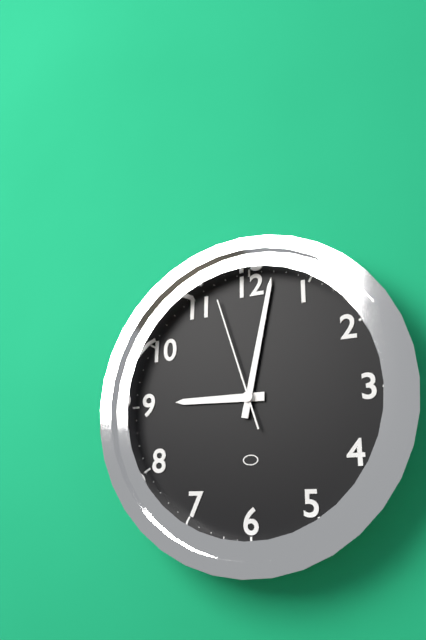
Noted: {"hour": 9, "minute": 2, "second": 57}
